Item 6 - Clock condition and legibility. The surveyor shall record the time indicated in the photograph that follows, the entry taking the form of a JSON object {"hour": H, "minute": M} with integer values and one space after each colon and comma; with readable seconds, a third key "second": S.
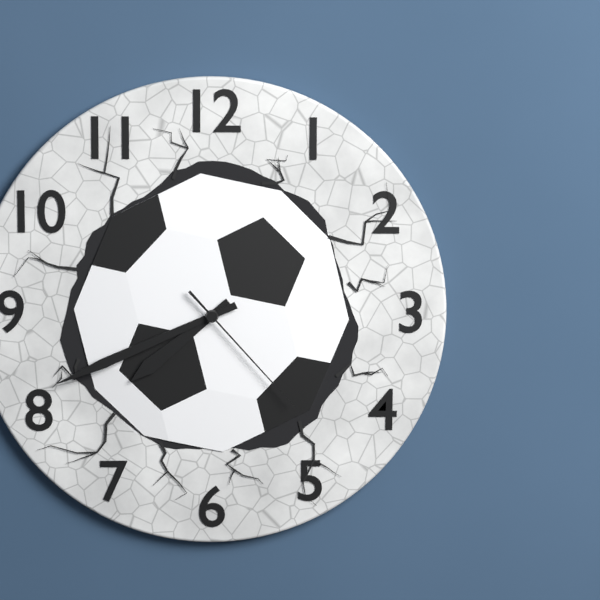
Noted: {"hour": 7, "minute": 41, "second": 23}
